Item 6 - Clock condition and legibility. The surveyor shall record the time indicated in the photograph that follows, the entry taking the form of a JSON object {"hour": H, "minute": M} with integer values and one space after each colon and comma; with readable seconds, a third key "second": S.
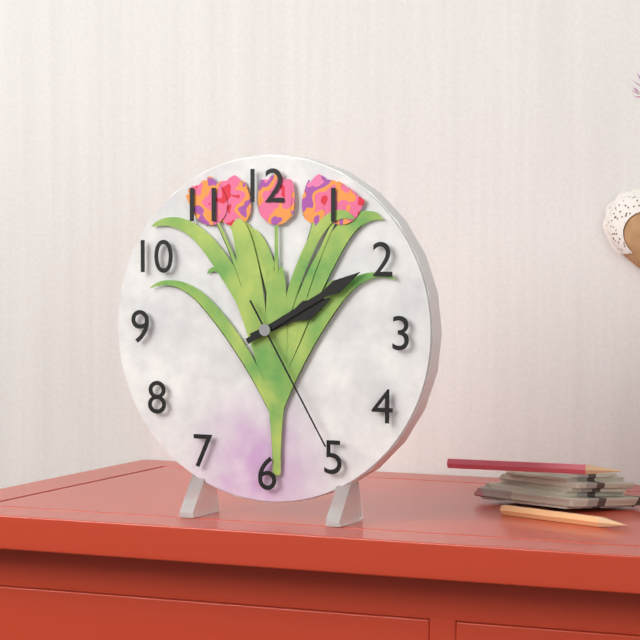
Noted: {"hour": 2, "minute": 10, "second": 25}
